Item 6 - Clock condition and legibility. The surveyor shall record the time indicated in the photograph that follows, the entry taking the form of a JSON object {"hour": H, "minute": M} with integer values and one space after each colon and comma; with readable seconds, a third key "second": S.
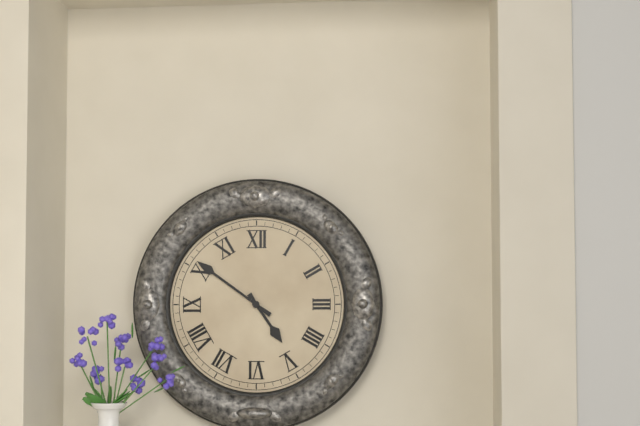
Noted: {"hour": 4, "minute": 51}
